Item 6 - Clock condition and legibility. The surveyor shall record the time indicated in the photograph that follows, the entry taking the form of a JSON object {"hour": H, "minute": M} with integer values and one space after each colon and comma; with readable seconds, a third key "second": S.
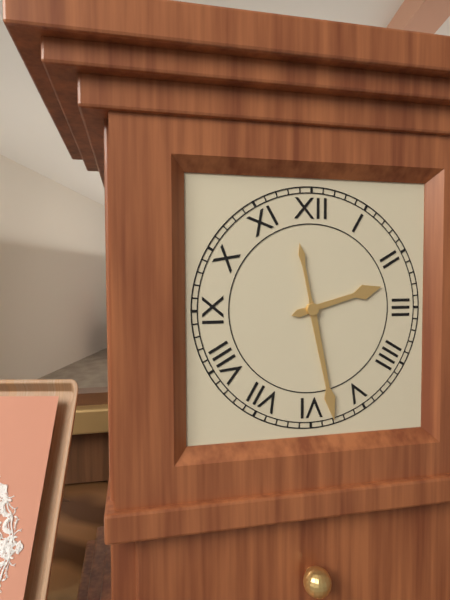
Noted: {"hour": 2, "minute": 28}
